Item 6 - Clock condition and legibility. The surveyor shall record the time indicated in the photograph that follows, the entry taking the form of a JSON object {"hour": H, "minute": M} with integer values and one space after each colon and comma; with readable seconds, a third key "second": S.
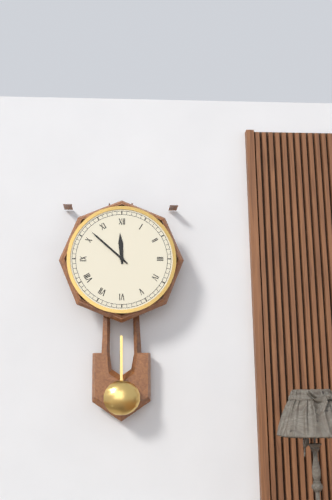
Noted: {"hour": 11, "minute": 52}
